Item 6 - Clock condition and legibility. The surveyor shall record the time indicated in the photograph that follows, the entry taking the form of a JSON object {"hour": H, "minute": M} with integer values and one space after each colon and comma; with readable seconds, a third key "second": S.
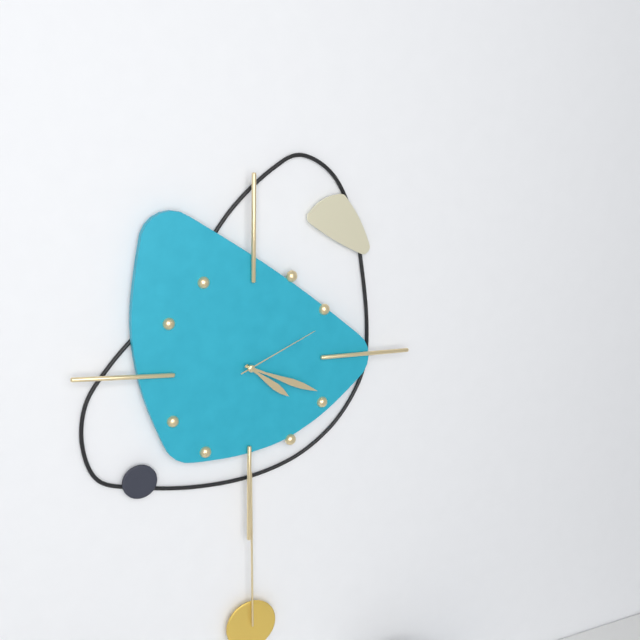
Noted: {"hour": 4, "minute": 19, "second": 11}
